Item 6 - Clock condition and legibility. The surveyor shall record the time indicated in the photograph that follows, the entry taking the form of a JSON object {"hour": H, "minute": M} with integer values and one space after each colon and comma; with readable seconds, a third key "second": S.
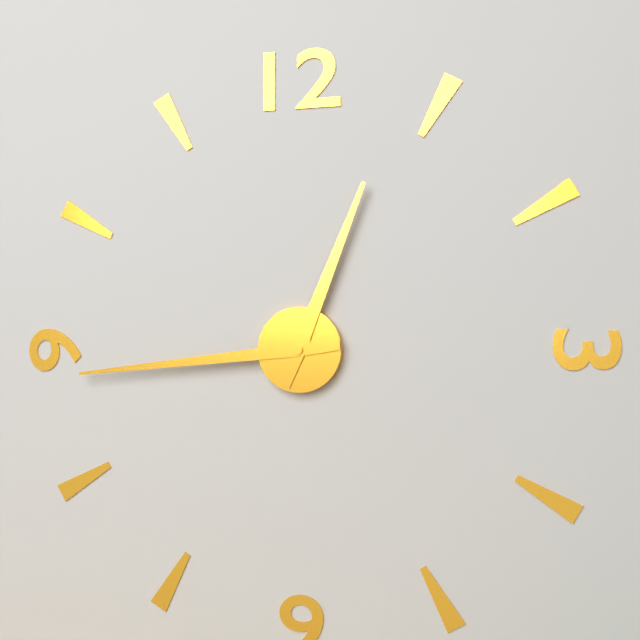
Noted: {"hour": 12, "minute": 44}
